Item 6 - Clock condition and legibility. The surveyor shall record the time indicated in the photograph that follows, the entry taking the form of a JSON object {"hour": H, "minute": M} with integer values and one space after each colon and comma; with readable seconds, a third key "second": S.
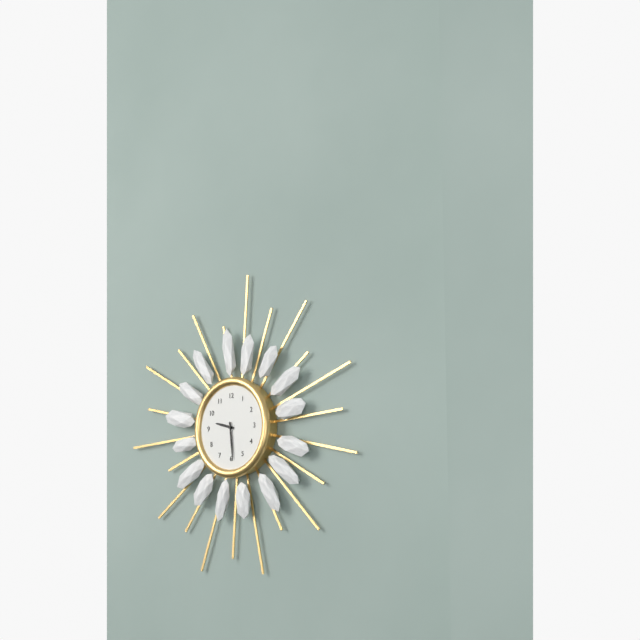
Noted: {"hour": 9, "minute": 29}
